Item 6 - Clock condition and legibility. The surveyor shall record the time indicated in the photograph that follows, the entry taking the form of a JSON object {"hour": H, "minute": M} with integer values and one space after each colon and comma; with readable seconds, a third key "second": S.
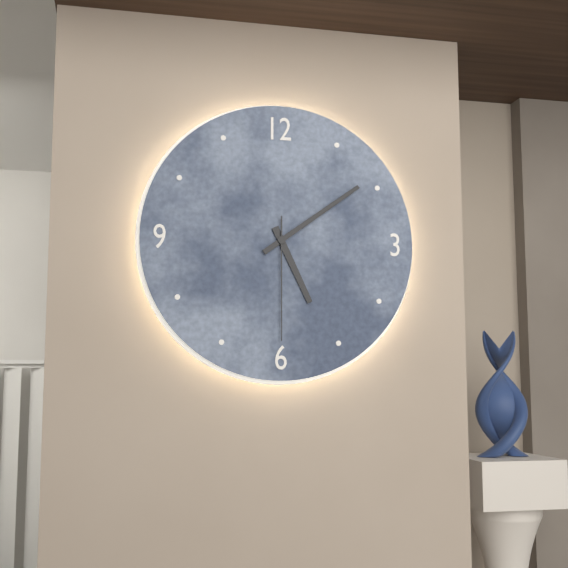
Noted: {"hour": 5, "minute": 9, "second": 30}
